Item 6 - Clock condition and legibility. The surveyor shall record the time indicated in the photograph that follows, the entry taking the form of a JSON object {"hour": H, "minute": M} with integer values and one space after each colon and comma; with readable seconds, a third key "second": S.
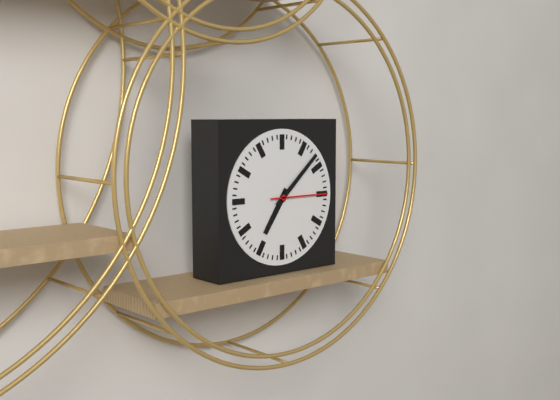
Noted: {"hour": 7, "minute": 8, "second": 15}
